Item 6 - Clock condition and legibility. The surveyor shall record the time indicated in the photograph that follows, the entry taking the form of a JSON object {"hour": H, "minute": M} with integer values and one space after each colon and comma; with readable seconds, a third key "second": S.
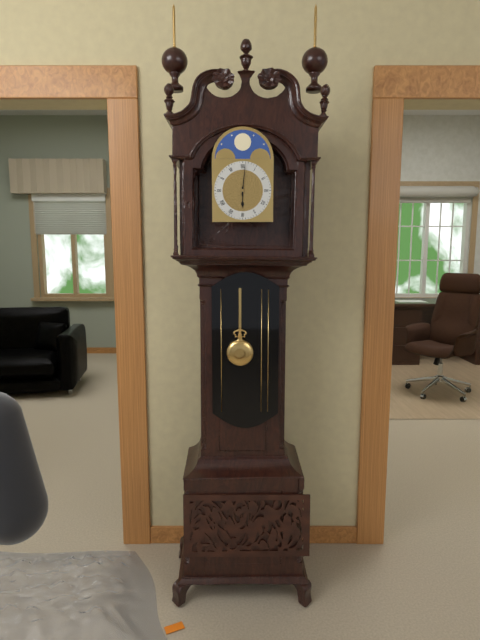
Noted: {"hour": 6, "minute": 1}
